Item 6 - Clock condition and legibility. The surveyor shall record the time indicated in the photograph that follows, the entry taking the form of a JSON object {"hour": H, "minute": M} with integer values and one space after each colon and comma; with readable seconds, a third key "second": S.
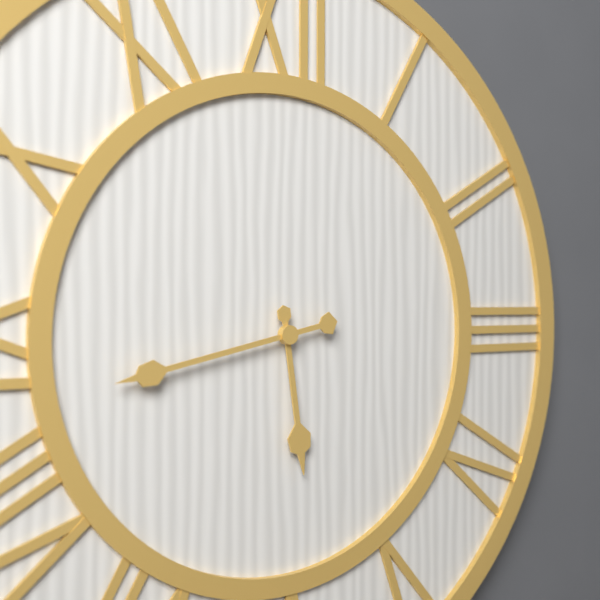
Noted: {"hour": 5, "minute": 43}
